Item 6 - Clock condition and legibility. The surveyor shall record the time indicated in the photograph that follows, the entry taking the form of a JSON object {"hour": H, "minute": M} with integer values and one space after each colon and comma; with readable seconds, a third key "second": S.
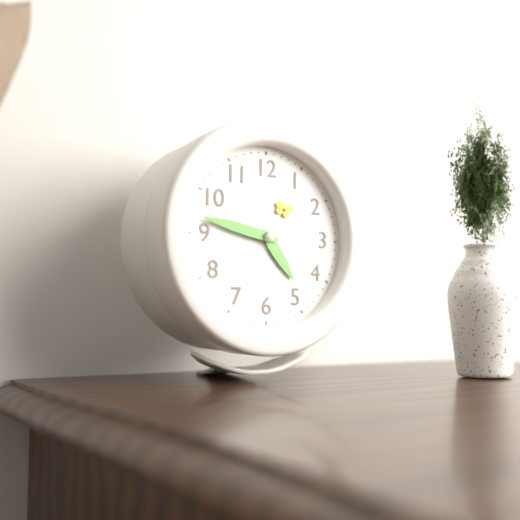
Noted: {"hour": 4, "minute": 47}
